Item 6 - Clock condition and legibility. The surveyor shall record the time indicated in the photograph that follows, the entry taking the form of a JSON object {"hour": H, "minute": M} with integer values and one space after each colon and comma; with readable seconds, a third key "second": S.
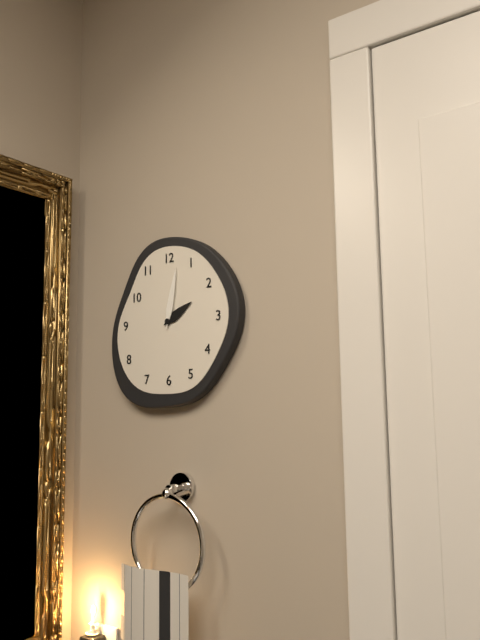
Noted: {"hour": 2, "minute": 2}
